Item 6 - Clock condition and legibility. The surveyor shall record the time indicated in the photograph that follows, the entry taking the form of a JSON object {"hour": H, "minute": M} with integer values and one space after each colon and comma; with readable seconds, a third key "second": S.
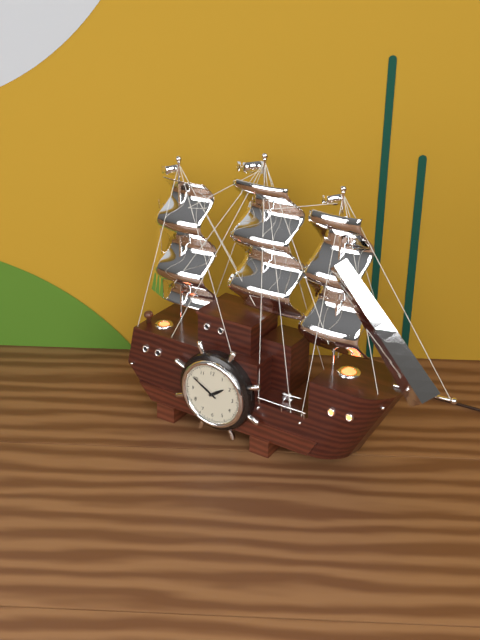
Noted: {"hour": 1, "minute": 50}
